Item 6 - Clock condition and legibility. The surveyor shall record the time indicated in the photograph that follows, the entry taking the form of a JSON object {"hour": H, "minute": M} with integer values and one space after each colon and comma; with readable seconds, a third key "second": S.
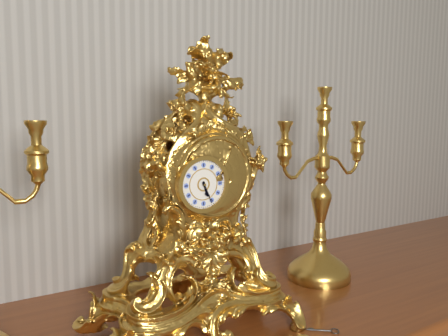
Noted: {"hour": 5, "minute": 26}
